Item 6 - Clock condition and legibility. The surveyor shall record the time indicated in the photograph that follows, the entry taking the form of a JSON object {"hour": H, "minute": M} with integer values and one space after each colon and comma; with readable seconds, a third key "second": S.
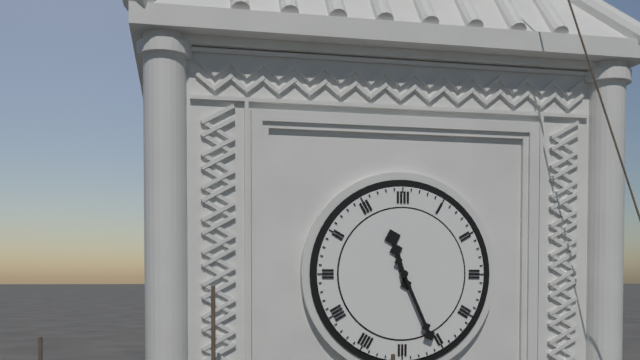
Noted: {"hour": 11, "minute": 26}
